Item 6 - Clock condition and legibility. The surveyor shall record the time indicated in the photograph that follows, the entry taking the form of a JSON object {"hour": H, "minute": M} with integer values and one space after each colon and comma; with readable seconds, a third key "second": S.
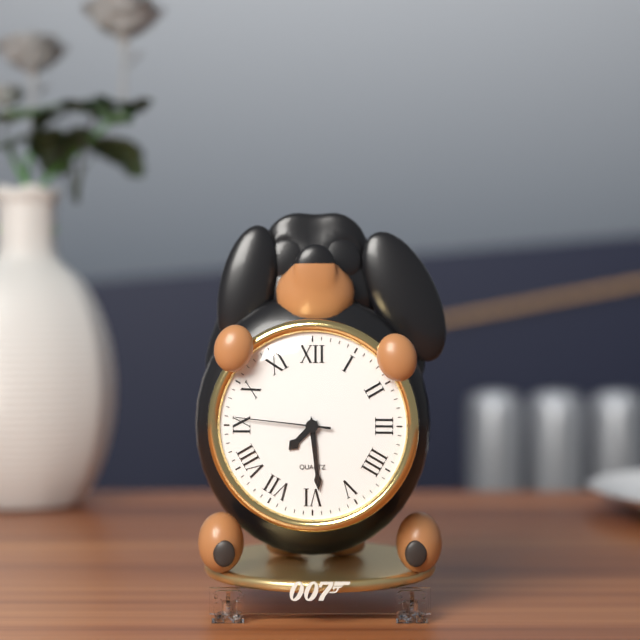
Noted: {"hour": 7, "minute": 29, "second": 46}
